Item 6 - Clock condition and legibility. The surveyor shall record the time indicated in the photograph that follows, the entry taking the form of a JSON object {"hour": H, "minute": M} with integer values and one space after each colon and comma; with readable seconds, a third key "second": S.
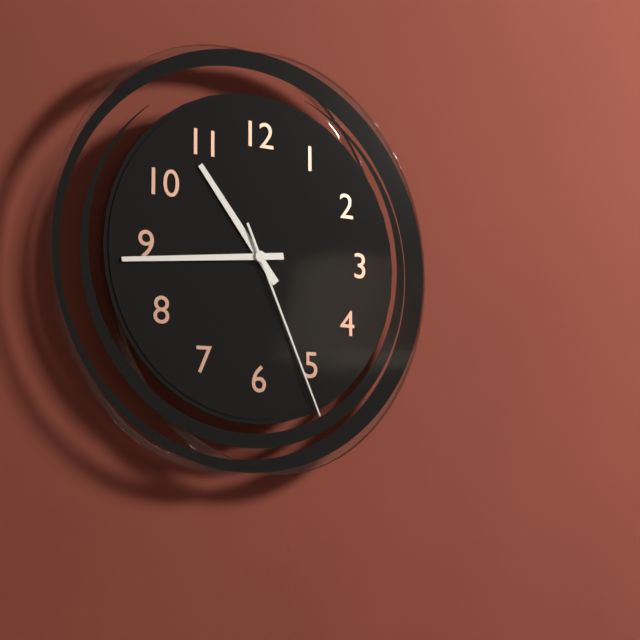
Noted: {"hour": 10, "minute": 44, "second": 26}
